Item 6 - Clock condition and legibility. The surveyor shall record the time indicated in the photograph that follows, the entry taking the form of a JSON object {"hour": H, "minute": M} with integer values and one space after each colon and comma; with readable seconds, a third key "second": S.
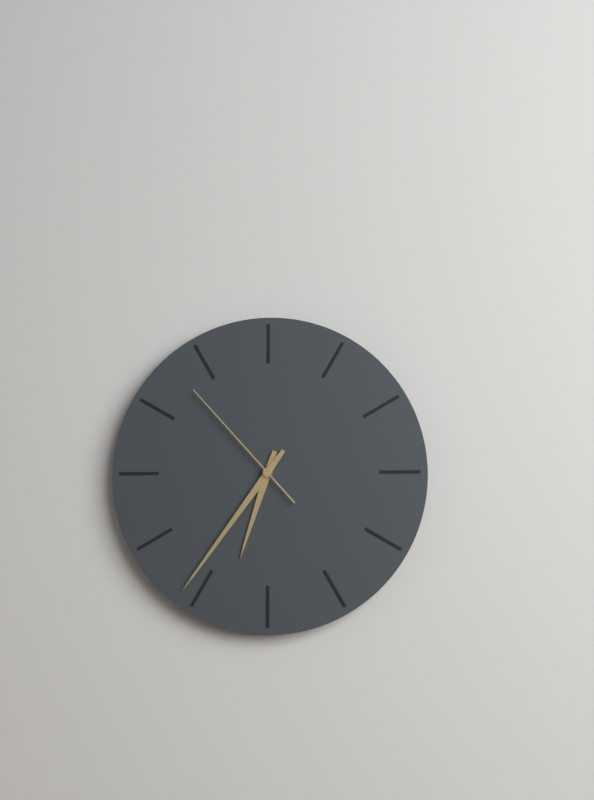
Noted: {"hour": 6, "minute": 36, "second": 53}
